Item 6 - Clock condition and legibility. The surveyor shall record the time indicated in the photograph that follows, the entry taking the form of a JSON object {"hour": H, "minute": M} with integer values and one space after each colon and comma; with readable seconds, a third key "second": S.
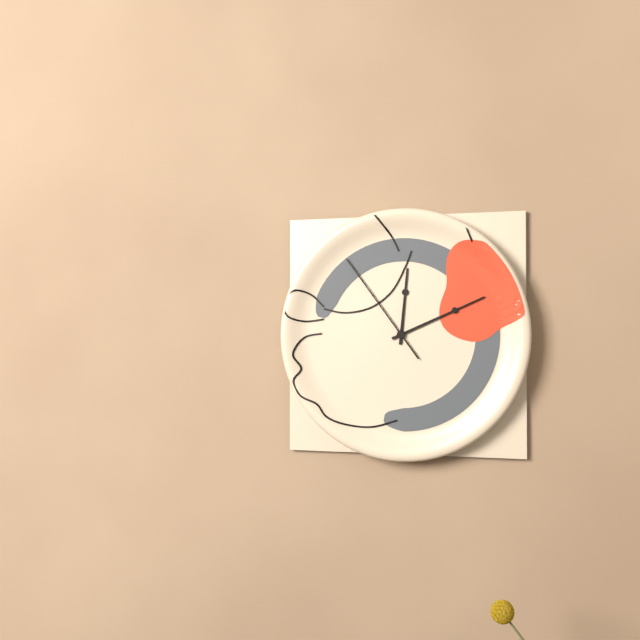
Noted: {"hour": 12, "minute": 11, "second": 54}
